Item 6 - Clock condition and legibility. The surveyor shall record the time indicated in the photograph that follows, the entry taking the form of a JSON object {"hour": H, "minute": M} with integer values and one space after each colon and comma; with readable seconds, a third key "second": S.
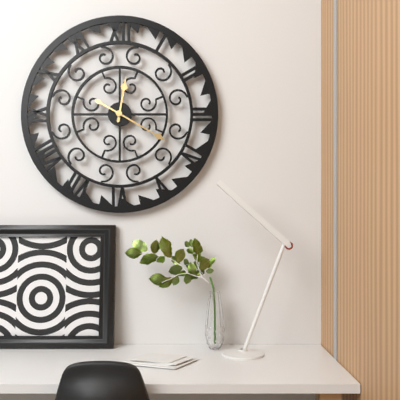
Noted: {"hour": 12, "minute": 20}
